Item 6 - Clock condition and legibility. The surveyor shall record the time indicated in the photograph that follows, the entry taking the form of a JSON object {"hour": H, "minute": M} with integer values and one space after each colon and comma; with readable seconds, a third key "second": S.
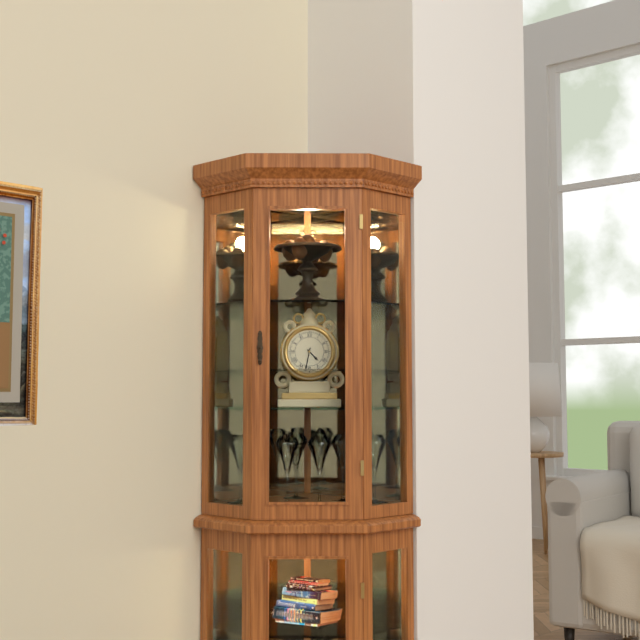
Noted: {"hour": 4, "minute": 32}
